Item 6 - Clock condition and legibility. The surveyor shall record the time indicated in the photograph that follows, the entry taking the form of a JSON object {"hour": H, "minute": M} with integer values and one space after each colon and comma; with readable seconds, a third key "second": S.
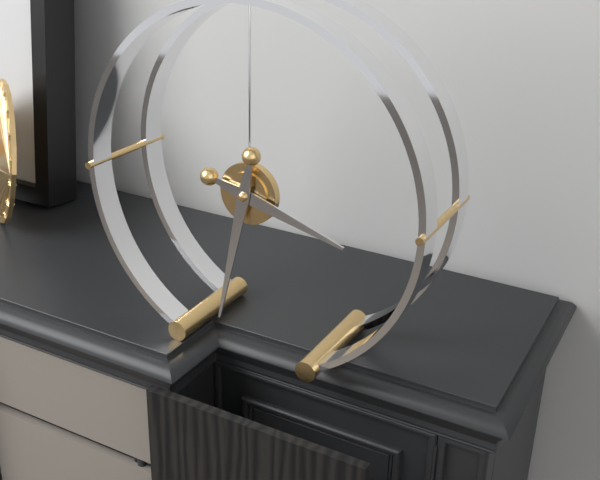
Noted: {"hour": 3, "minute": 32}
